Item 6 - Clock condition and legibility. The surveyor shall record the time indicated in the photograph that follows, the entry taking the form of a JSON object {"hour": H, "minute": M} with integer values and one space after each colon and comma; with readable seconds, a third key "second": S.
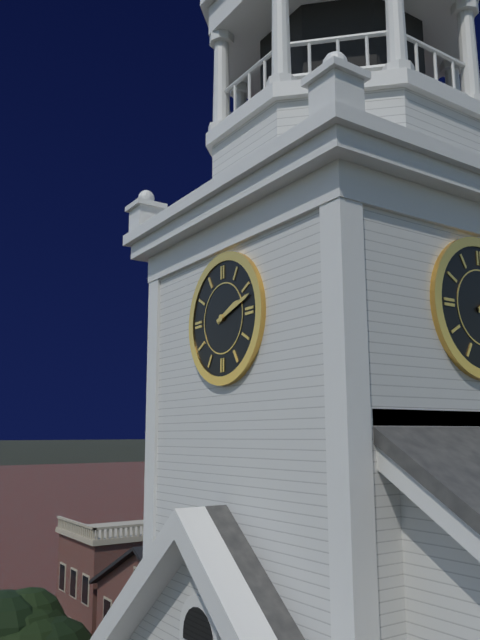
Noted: {"hour": 2, "minute": 12}
